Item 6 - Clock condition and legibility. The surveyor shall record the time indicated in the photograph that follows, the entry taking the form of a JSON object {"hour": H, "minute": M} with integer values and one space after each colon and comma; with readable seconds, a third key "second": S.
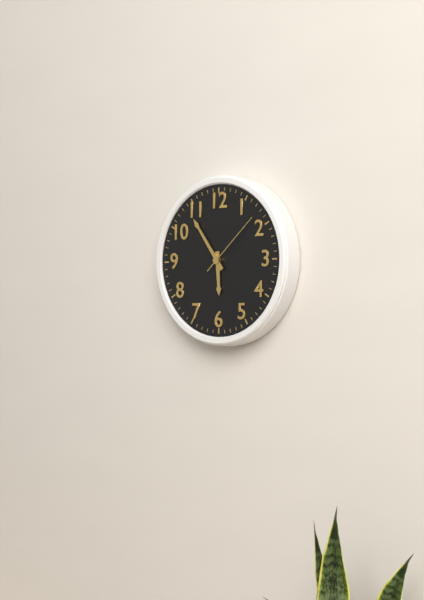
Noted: {"hour": 5, "minute": 54, "second": 8}
